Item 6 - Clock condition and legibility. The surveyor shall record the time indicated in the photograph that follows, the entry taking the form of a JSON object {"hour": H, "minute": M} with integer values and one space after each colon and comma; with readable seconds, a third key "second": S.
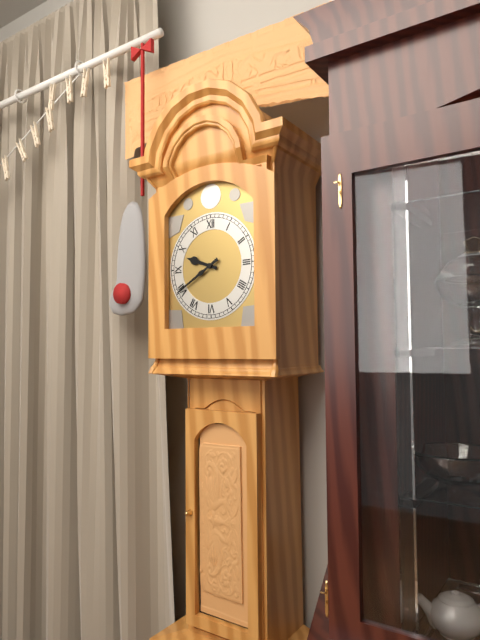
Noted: {"hour": 9, "minute": 40}
